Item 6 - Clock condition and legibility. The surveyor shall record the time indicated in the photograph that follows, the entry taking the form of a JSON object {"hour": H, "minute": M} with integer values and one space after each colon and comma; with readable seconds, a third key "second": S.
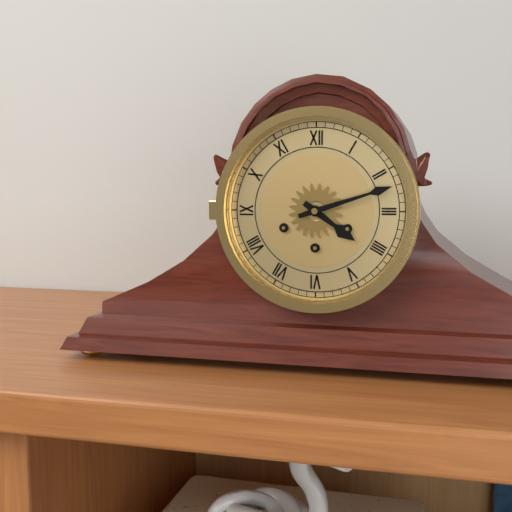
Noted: {"hour": 4, "minute": 12}
